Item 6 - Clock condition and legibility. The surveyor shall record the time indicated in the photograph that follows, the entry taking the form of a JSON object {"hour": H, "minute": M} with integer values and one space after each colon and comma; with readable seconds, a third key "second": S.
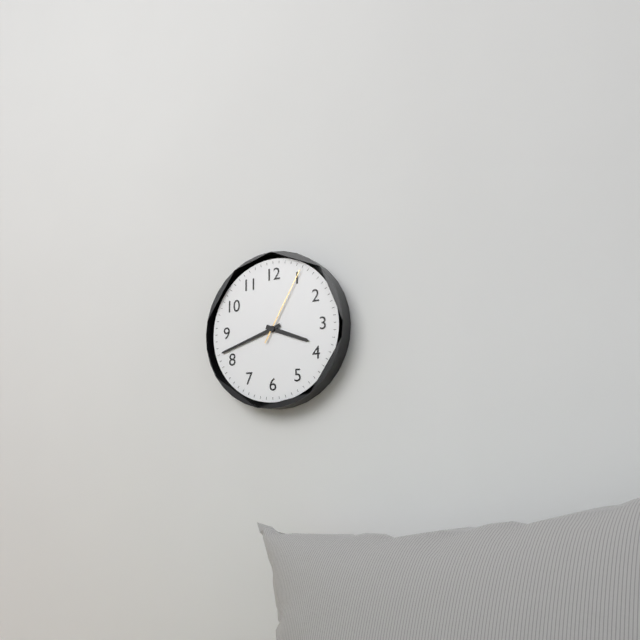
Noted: {"hour": 3, "minute": 42, "second": 5}
